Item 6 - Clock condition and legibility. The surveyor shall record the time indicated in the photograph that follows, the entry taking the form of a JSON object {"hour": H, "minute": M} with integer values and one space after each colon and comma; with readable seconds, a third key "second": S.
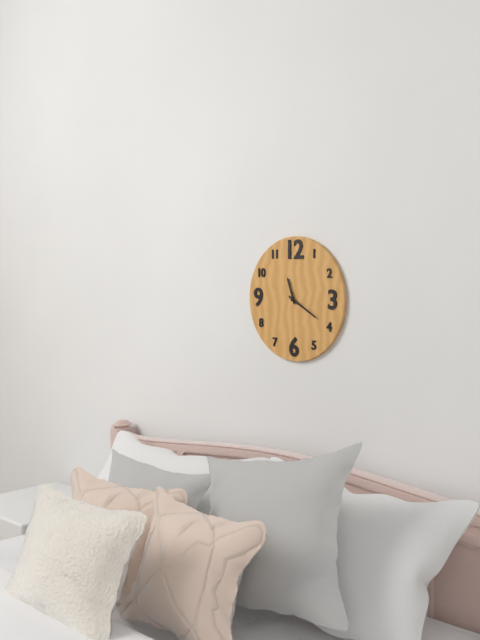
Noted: {"hour": 11, "minute": 20}
